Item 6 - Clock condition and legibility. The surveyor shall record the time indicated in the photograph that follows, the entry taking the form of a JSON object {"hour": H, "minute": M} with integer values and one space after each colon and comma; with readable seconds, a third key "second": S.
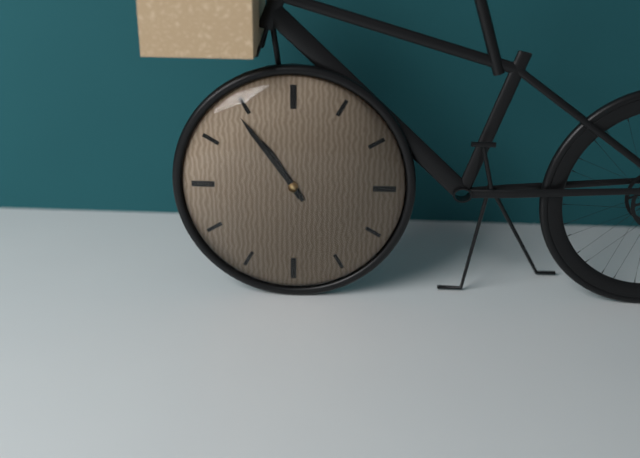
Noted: {"hour": 10, "minute": 54}
